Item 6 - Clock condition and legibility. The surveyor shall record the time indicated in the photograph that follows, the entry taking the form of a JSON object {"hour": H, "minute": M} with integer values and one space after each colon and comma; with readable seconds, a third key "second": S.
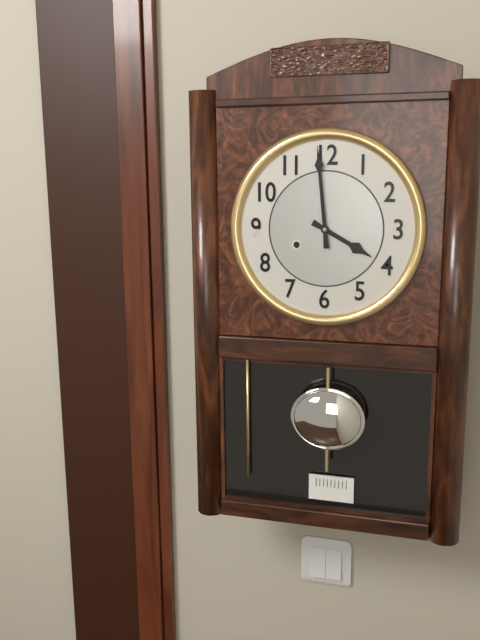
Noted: {"hour": 3, "minute": 59}
